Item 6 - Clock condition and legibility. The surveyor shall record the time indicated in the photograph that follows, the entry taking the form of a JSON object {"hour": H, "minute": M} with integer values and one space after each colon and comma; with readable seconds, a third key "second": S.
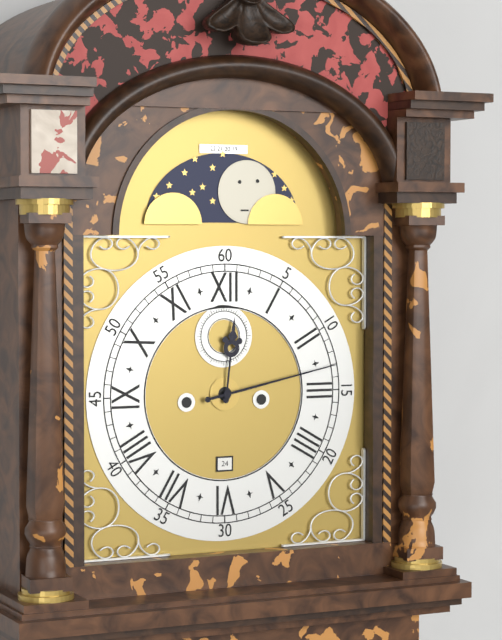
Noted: {"hour": 12, "minute": 13}
